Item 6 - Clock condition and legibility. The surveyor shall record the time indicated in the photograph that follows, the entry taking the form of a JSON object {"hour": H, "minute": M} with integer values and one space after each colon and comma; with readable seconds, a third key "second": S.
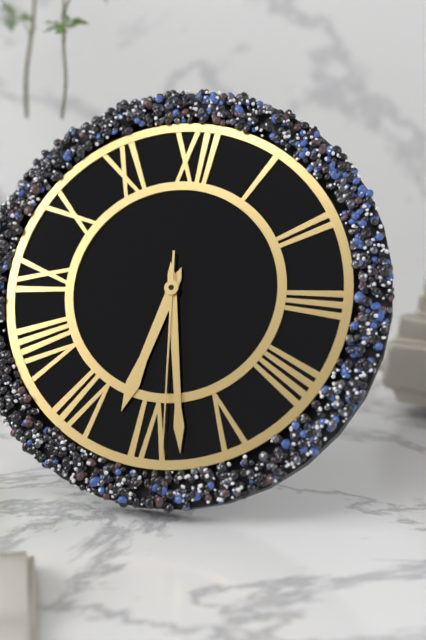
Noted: {"hour": 6, "minute": 28, "second": 29}
